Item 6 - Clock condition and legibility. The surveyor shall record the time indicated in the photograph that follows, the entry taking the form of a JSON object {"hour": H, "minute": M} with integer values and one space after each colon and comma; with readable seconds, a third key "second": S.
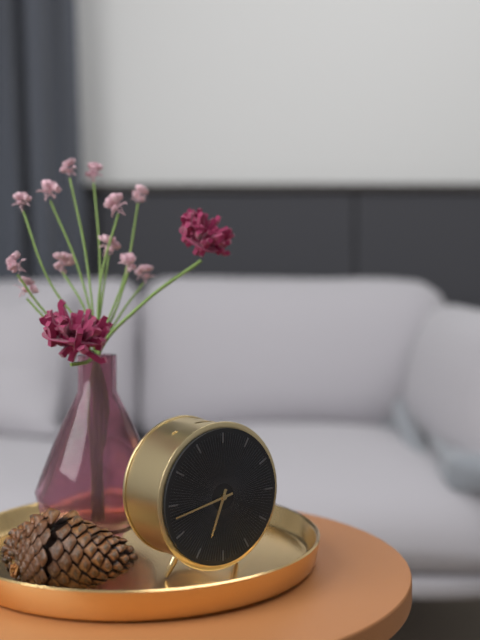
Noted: {"hour": 6, "minute": 43}
